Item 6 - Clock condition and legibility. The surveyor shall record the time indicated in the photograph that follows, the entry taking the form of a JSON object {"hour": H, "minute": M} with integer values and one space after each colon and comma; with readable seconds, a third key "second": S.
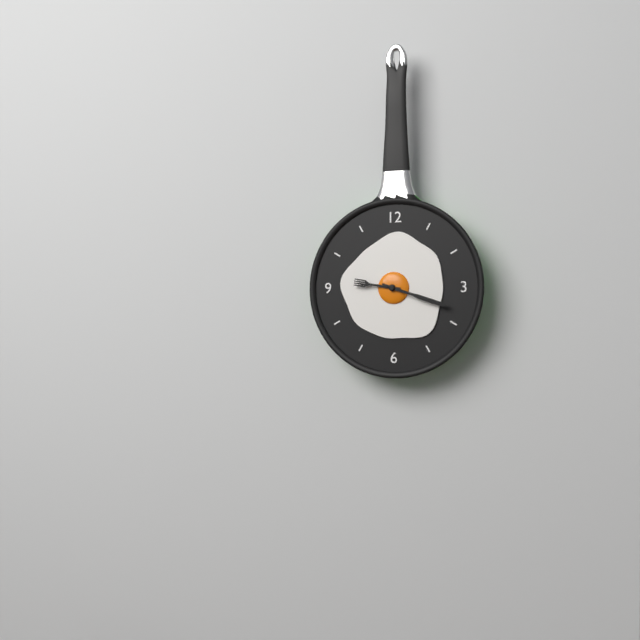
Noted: {"hour": 9, "minute": 18}
